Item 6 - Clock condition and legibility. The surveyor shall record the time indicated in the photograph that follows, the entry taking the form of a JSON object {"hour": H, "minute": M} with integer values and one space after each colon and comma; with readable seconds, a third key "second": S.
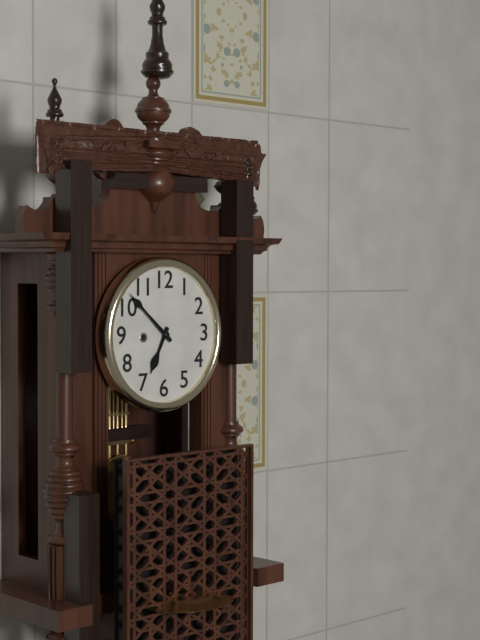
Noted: {"hour": 6, "minute": 52}
